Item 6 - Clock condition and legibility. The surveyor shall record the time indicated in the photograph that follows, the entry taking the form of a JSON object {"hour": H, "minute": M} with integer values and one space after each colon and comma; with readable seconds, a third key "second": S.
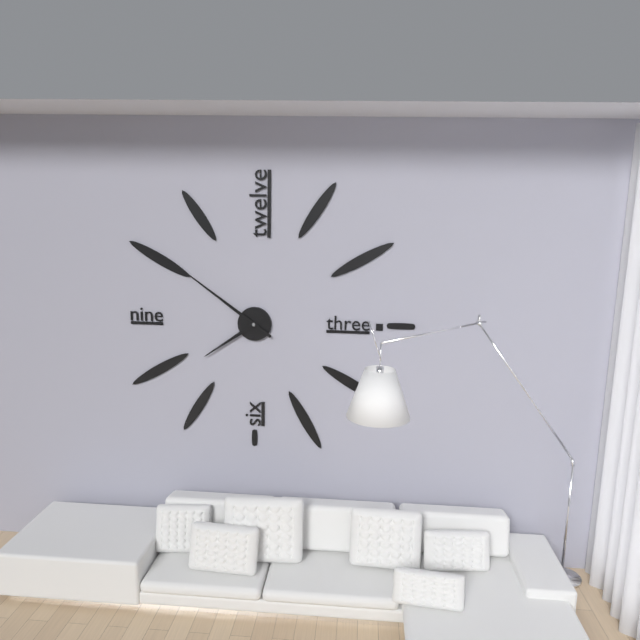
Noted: {"hour": 7, "minute": 51}
